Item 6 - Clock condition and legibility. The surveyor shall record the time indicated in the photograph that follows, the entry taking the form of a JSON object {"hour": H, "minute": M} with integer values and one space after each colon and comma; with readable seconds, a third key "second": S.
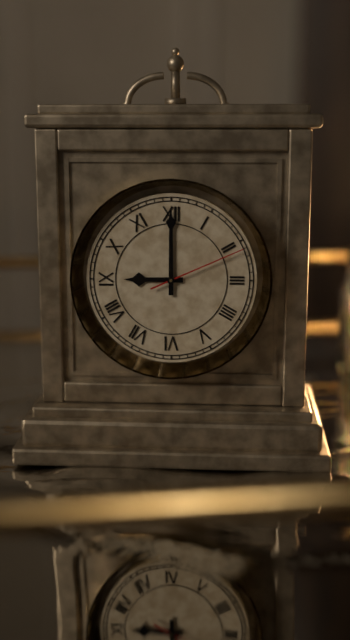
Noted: {"hour": 9, "minute": 0, "second": 11}
